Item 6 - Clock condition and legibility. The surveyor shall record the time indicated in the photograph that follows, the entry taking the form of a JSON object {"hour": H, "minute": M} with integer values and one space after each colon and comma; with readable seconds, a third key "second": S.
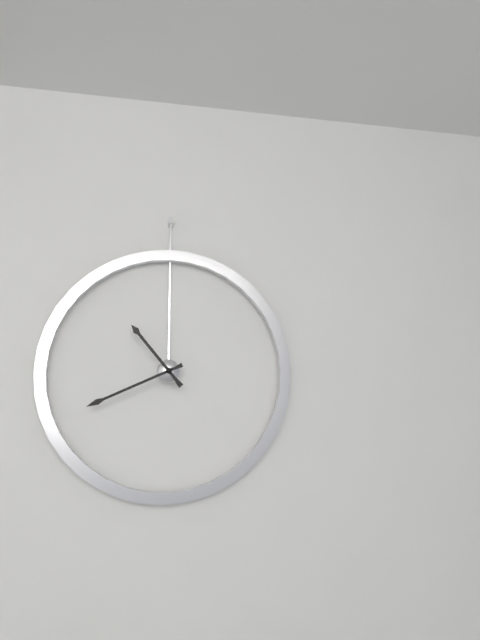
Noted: {"hour": 10, "minute": 41}
